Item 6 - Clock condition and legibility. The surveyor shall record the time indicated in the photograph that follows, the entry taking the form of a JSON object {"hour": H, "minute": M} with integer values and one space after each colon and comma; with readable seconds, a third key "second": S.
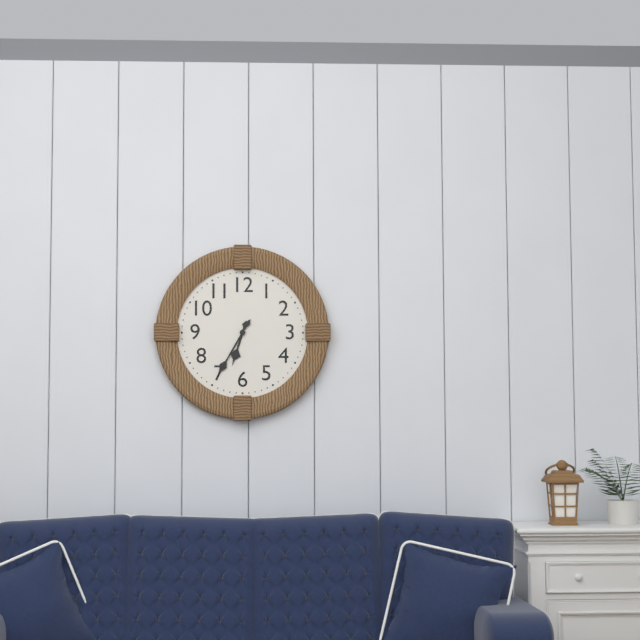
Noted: {"hour": 6, "minute": 35}
